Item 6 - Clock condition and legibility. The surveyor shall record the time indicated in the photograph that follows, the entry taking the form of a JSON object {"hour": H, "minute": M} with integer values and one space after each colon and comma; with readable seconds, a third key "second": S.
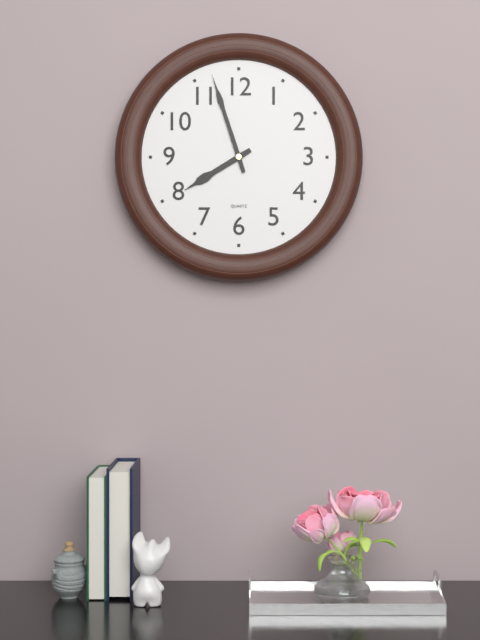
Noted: {"hour": 7, "minute": 57}
